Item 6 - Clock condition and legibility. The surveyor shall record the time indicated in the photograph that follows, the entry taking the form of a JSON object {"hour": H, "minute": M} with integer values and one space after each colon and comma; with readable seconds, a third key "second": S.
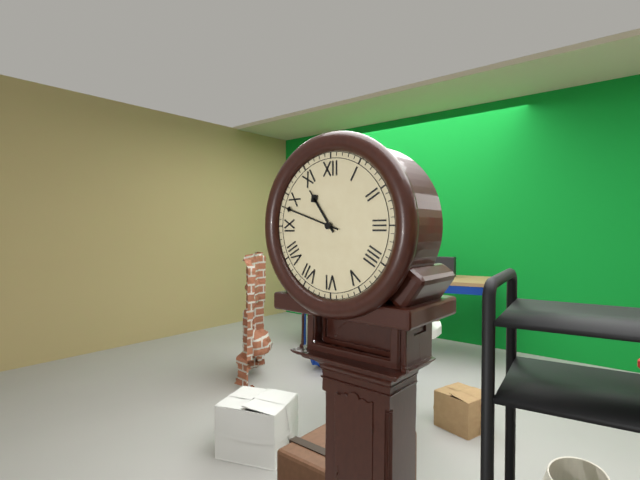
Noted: {"hour": 10, "minute": 48}
